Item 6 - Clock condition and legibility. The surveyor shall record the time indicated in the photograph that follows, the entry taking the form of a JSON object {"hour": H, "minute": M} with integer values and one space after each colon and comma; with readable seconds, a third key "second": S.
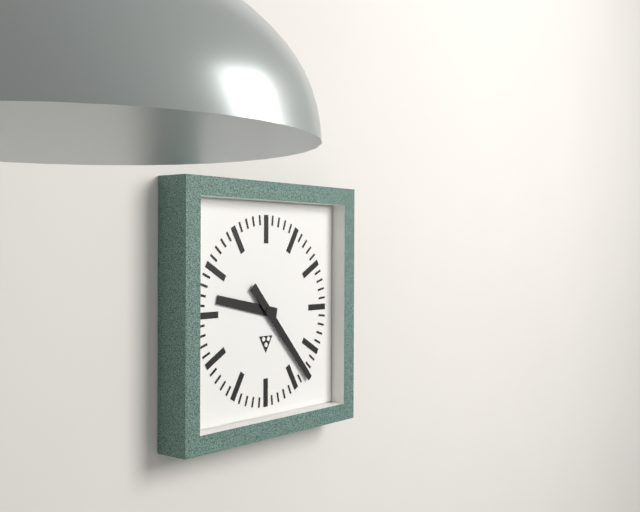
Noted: {"hour": 9, "minute": 23}
